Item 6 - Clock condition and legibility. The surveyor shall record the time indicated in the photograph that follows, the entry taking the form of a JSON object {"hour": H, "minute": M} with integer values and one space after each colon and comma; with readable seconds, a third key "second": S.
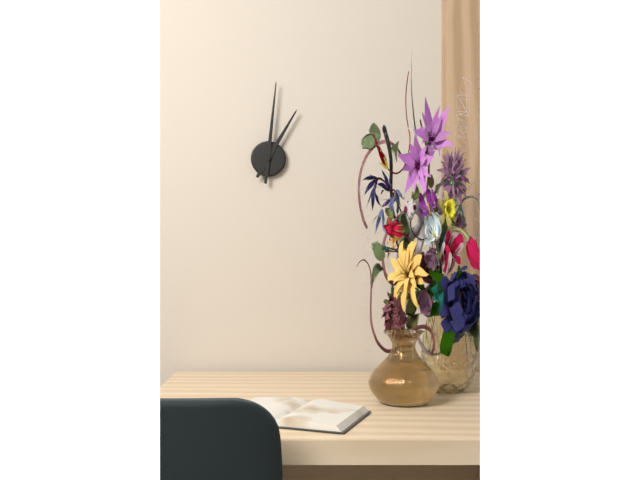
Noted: {"hour": 1, "minute": 1}
